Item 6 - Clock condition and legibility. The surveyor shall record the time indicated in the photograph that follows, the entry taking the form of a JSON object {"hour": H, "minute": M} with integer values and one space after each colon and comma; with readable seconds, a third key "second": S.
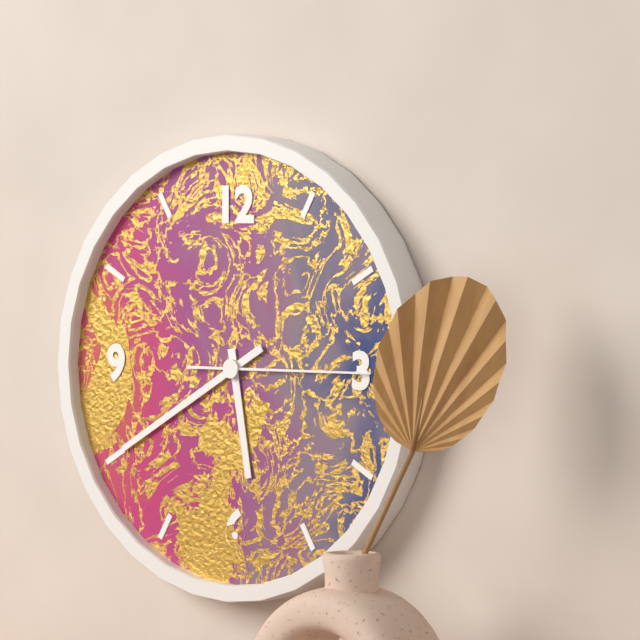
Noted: {"hour": 5, "minute": 40, "second": 15}
